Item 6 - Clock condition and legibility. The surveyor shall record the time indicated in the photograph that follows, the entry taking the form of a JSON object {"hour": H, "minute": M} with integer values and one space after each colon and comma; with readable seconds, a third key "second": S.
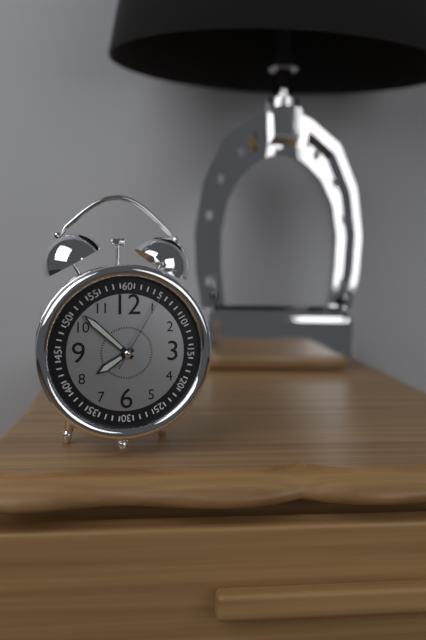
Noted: {"hour": 7, "minute": 52, "second": 5}
